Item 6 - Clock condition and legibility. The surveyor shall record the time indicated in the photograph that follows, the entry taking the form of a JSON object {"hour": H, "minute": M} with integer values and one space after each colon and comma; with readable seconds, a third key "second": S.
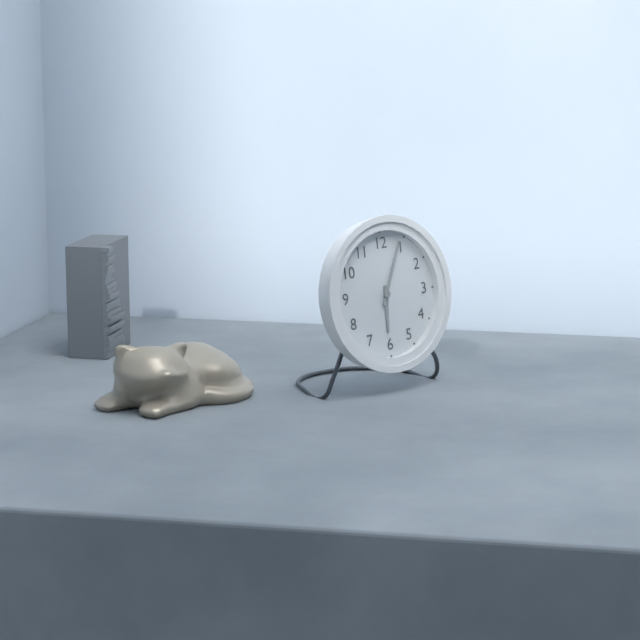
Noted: {"hour": 6, "minute": 4}
